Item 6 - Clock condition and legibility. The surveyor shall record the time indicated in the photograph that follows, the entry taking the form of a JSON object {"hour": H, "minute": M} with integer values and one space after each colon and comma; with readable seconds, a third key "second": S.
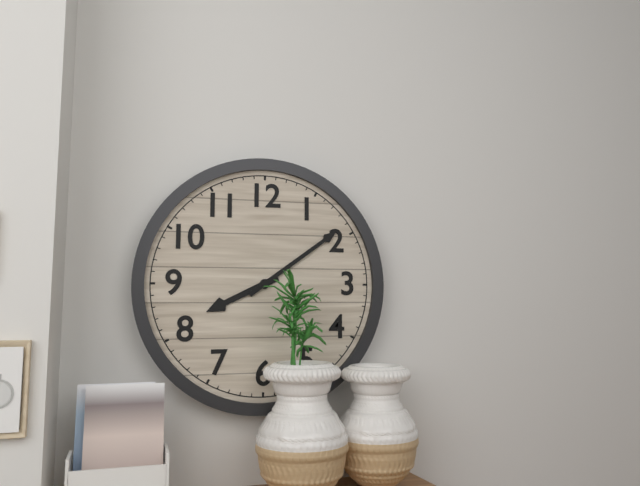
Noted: {"hour": 8, "minute": 9}
